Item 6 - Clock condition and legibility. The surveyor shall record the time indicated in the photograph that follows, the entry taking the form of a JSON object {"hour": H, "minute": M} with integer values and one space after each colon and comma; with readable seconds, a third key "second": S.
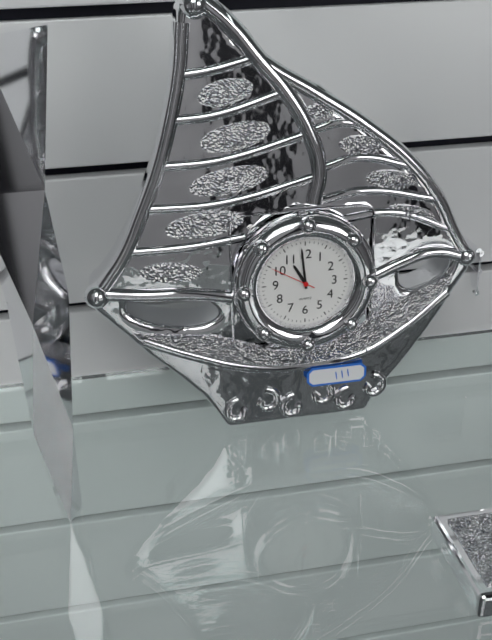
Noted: {"hour": 10, "minute": 59}
